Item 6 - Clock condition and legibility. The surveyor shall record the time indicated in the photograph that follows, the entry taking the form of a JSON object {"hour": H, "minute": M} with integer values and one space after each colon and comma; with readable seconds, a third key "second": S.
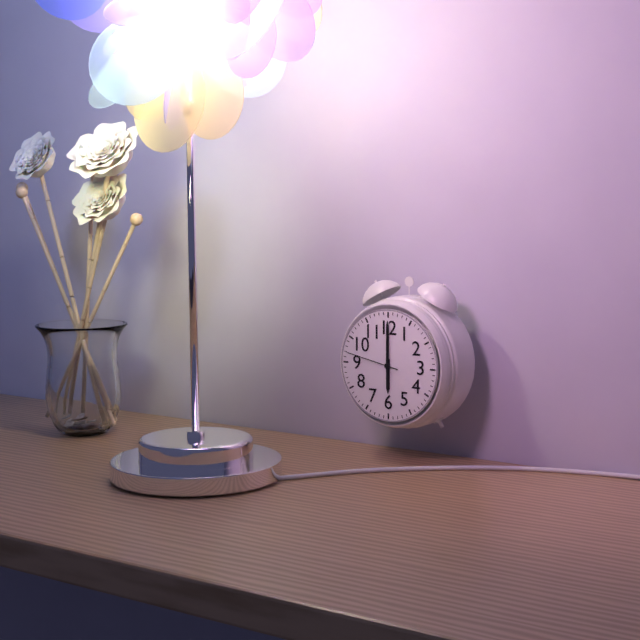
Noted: {"hour": 6, "minute": 0, "second": 47}
